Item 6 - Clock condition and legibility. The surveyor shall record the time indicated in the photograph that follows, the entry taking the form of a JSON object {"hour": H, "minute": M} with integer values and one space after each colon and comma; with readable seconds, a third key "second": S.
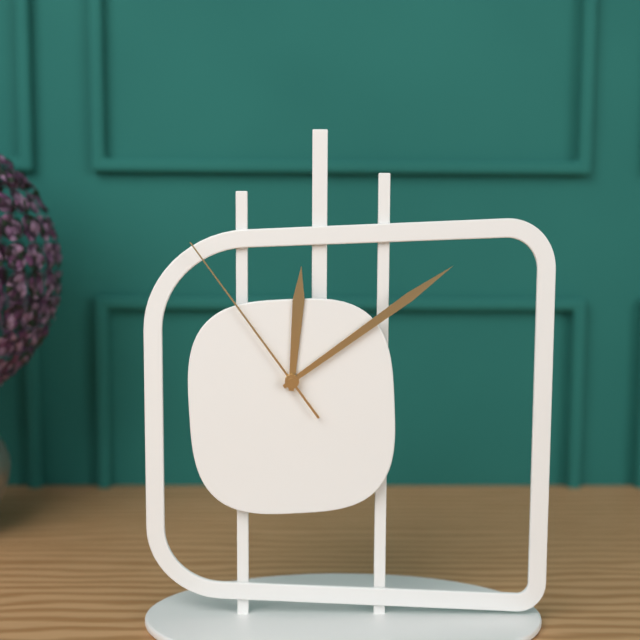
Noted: {"hour": 12, "minute": 9, "second": 54}
